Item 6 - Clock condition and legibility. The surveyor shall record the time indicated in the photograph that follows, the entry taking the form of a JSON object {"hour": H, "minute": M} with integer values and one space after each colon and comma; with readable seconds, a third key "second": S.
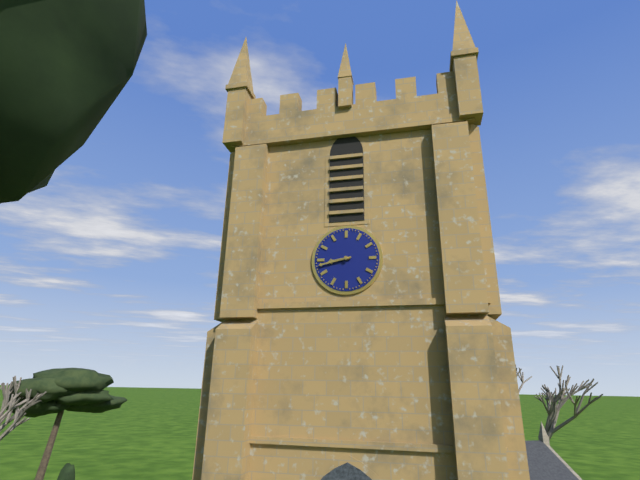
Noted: {"hour": 8, "minute": 43}
